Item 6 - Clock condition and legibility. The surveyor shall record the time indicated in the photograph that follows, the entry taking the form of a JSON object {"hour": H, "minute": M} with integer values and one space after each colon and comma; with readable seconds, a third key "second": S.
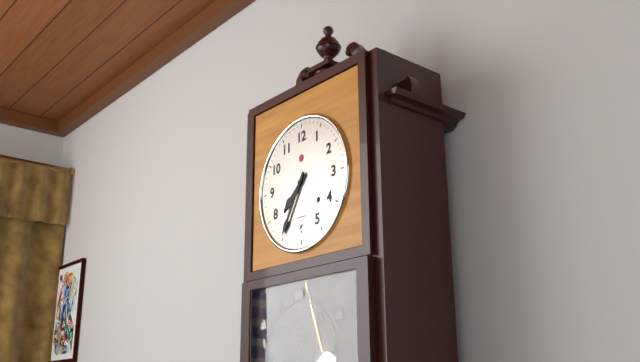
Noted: {"hour": 7, "minute": 35}
